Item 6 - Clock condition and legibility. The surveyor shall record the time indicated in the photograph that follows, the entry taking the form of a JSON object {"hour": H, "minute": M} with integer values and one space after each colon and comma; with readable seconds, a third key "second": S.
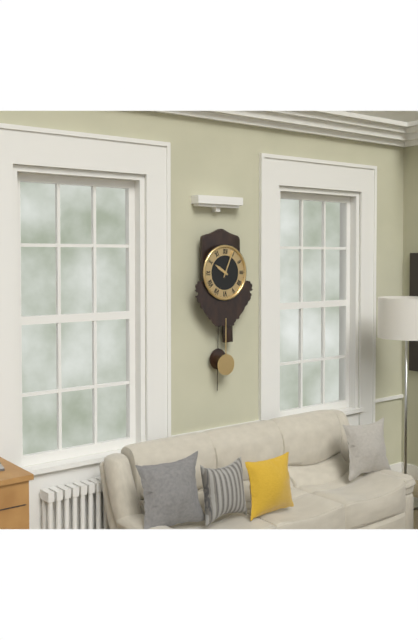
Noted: {"hour": 10, "minute": 4}
